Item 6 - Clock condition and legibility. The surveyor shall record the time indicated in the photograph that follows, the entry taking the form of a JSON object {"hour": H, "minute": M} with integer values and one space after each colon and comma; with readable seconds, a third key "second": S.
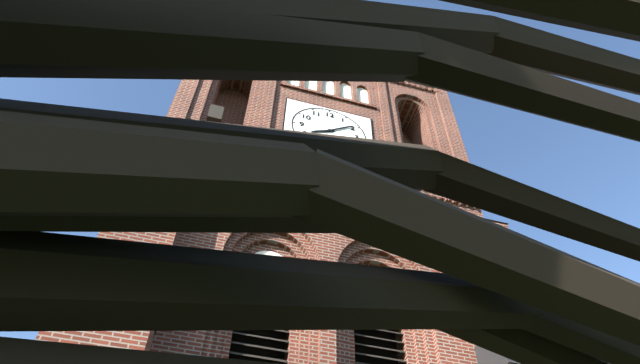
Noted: {"hour": 8, "minute": 9}
